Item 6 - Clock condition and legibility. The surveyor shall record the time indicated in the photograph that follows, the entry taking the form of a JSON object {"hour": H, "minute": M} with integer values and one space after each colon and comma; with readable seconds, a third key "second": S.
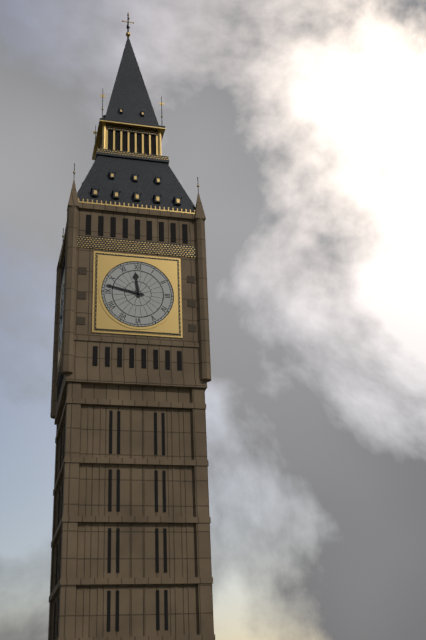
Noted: {"hour": 11, "minute": 47}
